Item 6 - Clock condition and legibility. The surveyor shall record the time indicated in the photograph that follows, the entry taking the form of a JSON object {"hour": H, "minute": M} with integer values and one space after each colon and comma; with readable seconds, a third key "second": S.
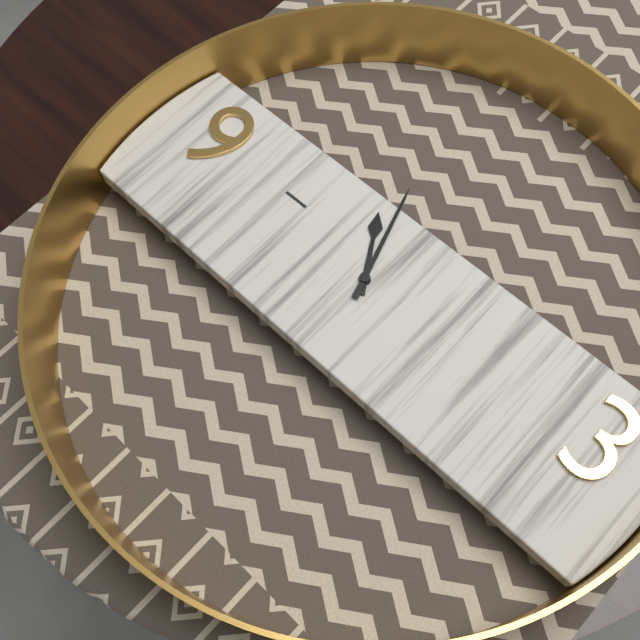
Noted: {"hour": 10, "minute": 57}
